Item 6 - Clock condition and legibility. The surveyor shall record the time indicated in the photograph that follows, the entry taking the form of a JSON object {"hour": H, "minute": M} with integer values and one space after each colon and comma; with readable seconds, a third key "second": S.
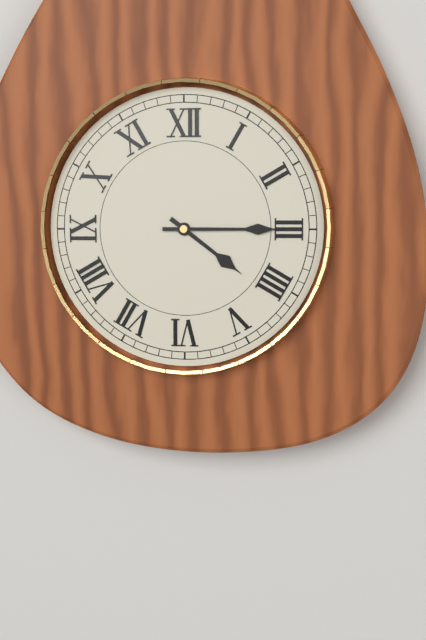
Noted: {"hour": 4, "minute": 15}
